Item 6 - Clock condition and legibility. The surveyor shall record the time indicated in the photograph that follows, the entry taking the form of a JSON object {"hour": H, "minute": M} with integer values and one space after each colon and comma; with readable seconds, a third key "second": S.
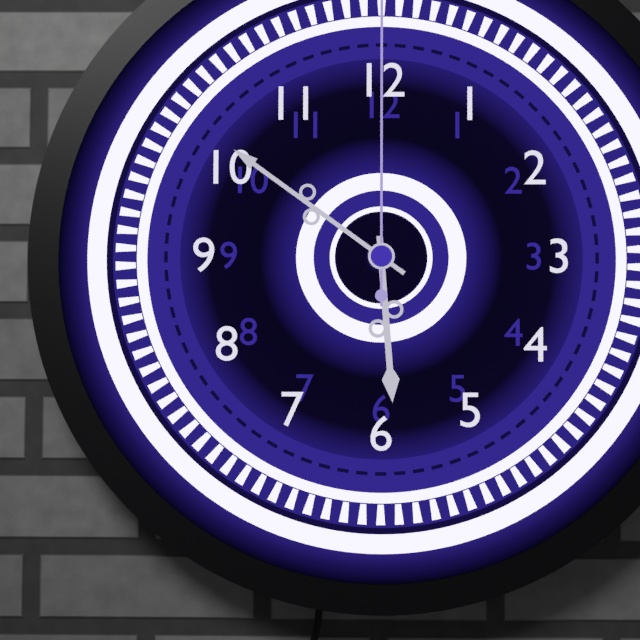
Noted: {"hour": 5, "minute": 51}
